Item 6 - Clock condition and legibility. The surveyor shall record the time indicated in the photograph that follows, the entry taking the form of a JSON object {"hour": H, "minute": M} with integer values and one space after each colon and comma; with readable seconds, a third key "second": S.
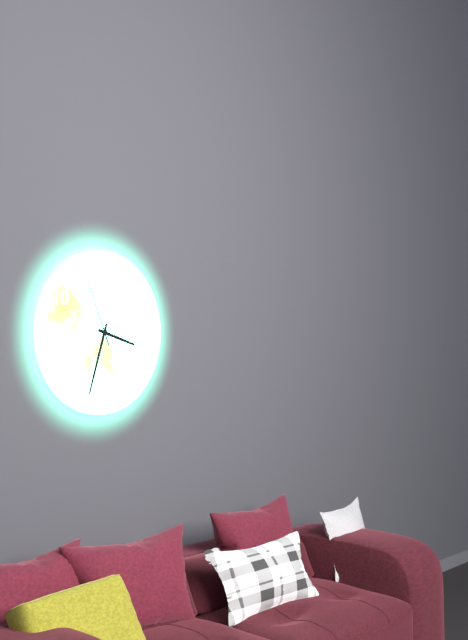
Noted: {"hour": 3, "minute": 33, "second": 56}
